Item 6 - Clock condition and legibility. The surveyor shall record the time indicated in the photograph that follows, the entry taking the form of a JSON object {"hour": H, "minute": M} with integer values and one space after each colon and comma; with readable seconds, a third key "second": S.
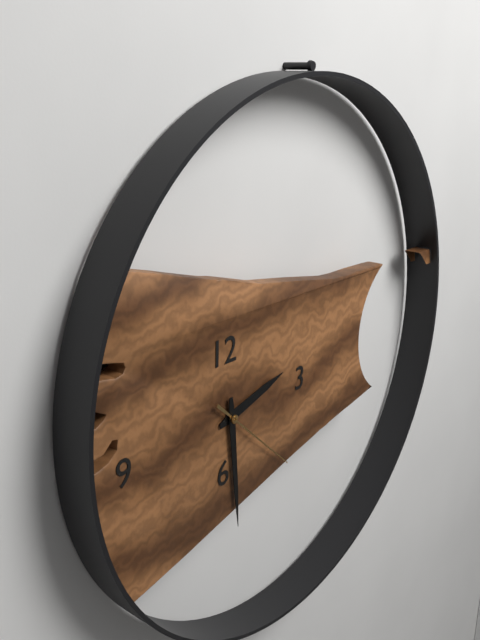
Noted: {"hour": 2, "minute": 29, "second": 22}
